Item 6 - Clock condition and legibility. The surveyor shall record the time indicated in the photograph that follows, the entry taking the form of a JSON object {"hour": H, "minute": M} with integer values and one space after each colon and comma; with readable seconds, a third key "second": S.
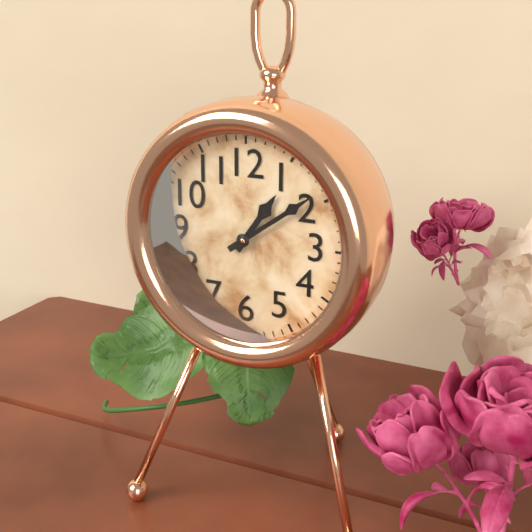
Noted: {"hour": 1, "minute": 9}
